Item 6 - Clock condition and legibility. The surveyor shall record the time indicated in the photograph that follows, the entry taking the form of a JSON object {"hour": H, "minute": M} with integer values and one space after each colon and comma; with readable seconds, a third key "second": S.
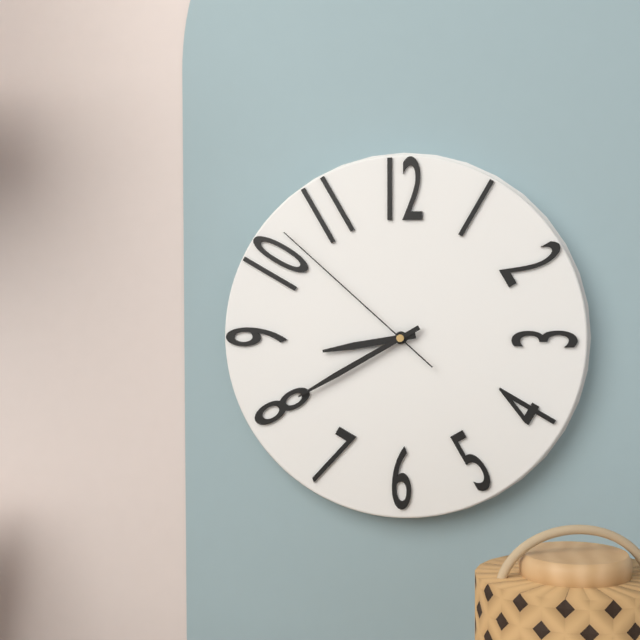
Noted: {"hour": 8, "minute": 40, "second": 52}
